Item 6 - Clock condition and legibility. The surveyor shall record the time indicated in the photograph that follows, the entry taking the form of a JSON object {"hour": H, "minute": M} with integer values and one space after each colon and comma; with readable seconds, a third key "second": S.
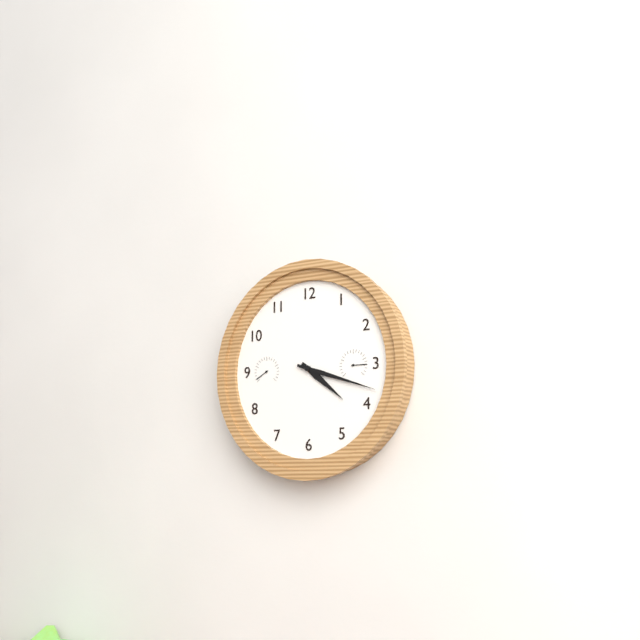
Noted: {"hour": 4, "minute": 18}
